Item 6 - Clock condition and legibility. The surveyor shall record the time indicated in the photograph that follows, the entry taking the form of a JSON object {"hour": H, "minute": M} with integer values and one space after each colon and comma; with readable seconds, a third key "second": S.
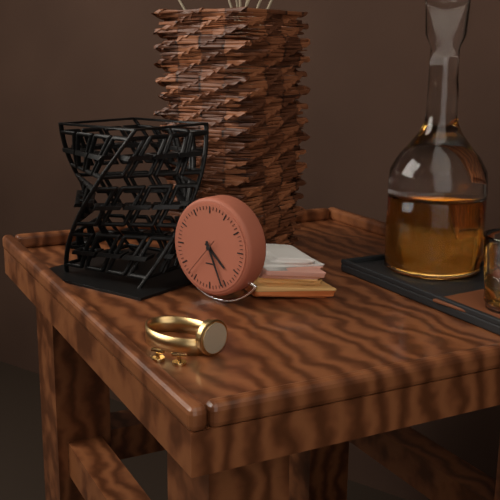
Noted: {"hour": 4, "minute": 26}
